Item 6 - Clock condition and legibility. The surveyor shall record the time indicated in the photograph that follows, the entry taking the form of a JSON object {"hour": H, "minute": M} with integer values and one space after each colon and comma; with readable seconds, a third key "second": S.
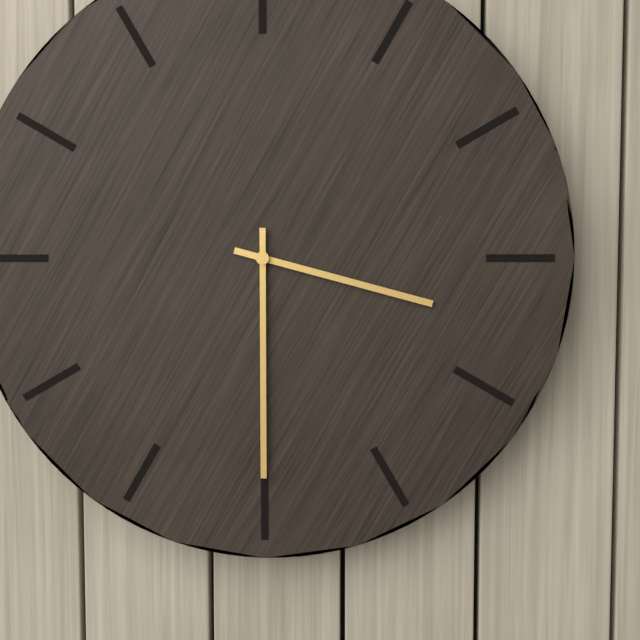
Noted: {"hour": 3, "minute": 30}
